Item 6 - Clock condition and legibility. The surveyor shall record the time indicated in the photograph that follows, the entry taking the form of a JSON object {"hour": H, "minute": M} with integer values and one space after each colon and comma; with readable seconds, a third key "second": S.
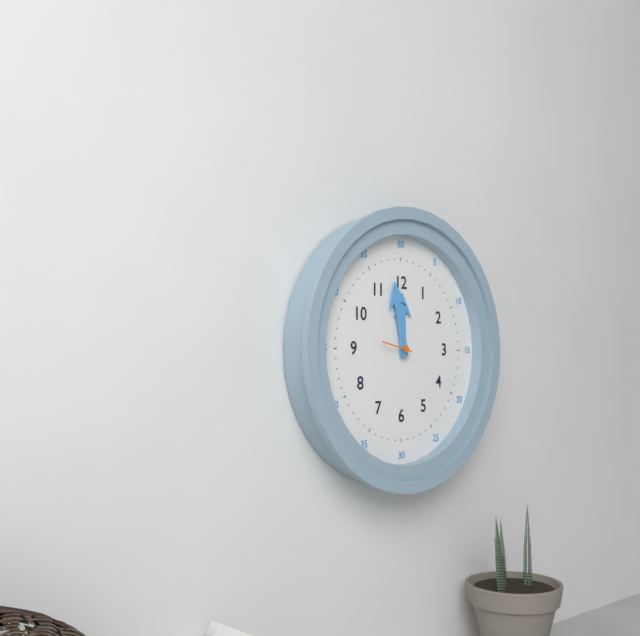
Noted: {"hour": 11, "minute": 58}
